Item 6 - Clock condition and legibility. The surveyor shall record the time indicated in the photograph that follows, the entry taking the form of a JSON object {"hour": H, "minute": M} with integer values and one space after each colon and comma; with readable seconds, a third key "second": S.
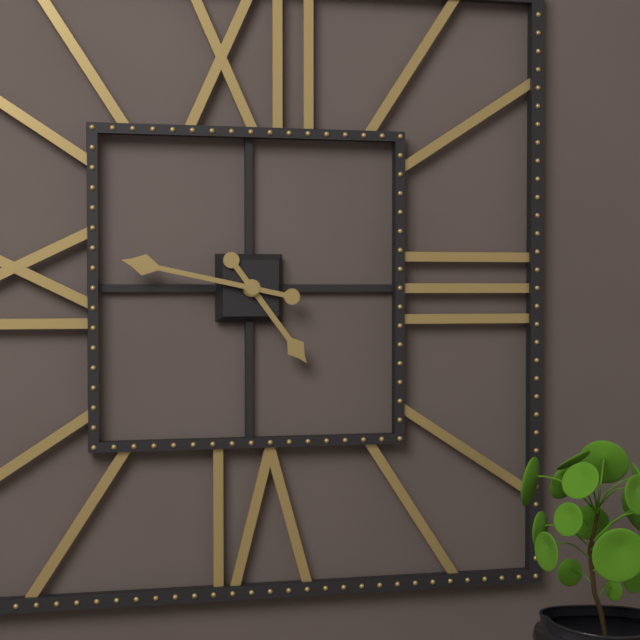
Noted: {"hour": 4, "minute": 47}
